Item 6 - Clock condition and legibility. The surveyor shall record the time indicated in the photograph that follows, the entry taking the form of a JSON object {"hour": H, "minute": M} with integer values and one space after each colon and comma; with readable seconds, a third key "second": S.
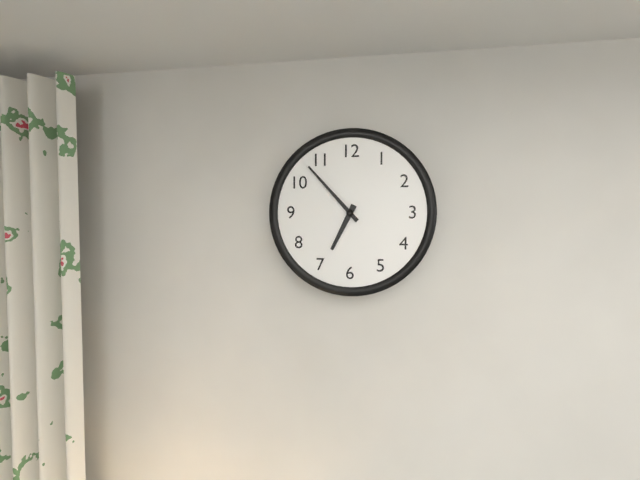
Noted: {"hour": 6, "minute": 53}
